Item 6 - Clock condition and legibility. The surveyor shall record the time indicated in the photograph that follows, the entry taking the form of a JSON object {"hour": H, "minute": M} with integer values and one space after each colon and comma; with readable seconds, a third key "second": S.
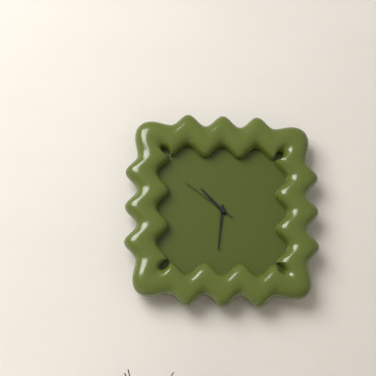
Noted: {"hour": 10, "minute": 31, "second": 51}
